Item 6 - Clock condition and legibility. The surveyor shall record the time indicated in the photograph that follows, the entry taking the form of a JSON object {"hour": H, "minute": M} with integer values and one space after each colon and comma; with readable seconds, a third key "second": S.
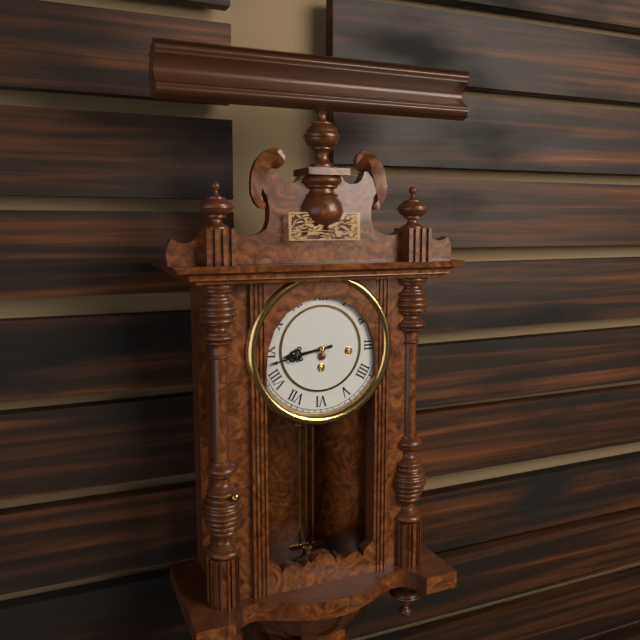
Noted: {"hour": 8, "minute": 43}
